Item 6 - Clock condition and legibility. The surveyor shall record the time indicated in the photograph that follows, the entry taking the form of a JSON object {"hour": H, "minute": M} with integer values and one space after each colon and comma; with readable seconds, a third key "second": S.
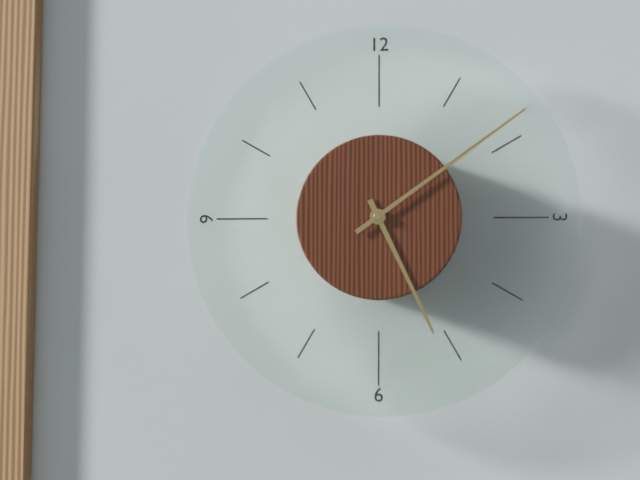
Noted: {"hour": 5, "minute": 9}
